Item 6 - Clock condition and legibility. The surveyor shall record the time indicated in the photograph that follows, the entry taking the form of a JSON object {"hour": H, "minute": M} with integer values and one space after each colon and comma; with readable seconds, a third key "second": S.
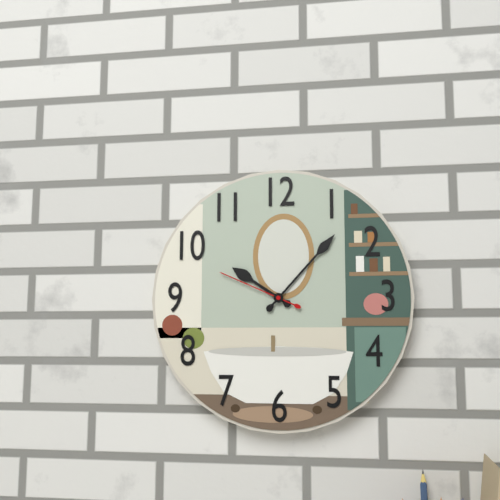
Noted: {"hour": 10, "minute": 7, "second": 49}
